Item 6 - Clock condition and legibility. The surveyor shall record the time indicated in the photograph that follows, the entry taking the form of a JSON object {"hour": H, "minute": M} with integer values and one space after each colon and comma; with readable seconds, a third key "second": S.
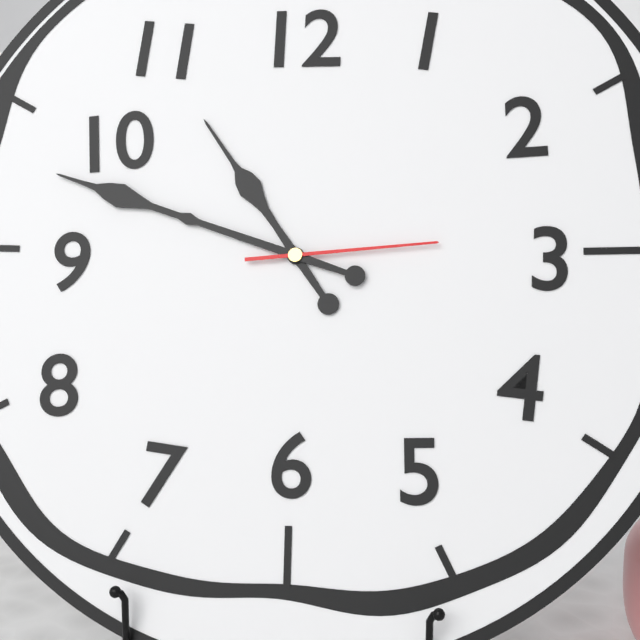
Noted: {"hour": 10, "minute": 48, "second": 14}
